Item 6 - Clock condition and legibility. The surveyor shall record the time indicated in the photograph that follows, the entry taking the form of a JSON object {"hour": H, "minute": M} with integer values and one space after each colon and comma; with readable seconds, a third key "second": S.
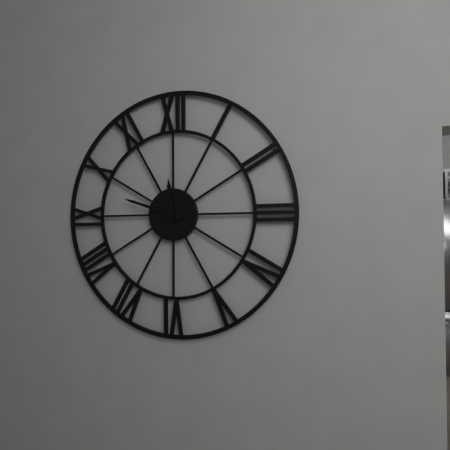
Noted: {"hour": 11, "minute": 48}
